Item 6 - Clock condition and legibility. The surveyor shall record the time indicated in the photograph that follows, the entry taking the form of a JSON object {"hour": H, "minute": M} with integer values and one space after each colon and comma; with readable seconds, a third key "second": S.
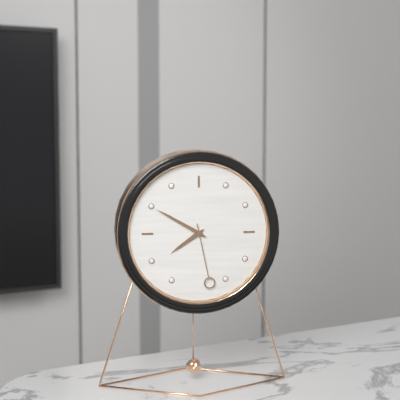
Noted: {"hour": 7, "minute": 50, "second": 28}
